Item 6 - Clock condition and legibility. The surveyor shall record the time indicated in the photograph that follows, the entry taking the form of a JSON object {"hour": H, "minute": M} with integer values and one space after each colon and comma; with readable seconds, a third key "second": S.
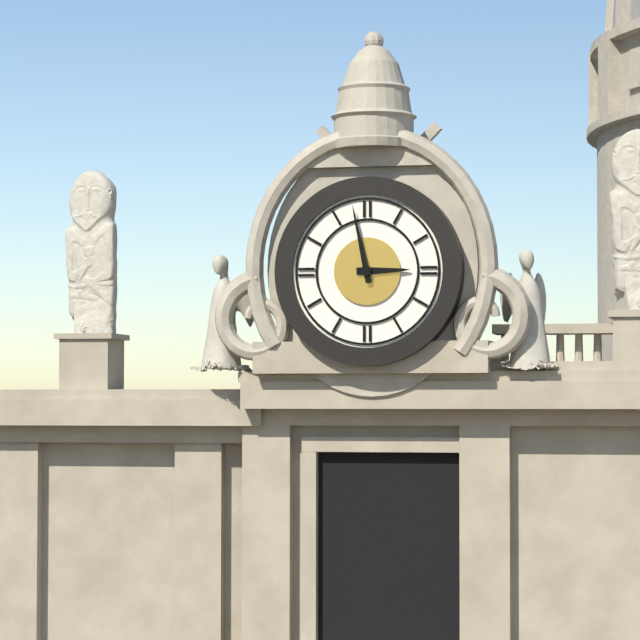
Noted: {"hour": 2, "minute": 58}
